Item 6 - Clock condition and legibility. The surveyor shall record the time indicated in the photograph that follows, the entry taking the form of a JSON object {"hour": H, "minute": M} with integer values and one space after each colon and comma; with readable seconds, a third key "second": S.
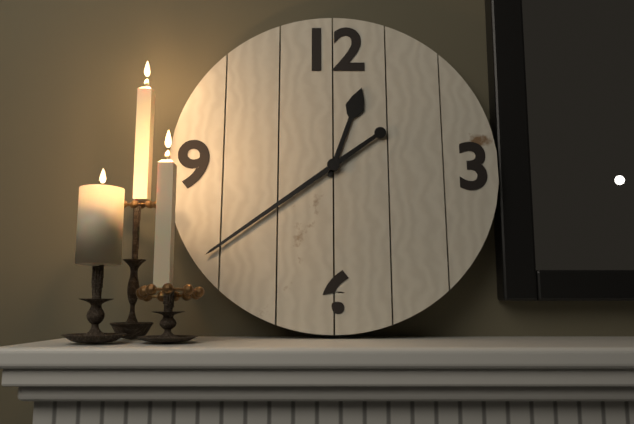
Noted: {"hour": 12, "minute": 39}
